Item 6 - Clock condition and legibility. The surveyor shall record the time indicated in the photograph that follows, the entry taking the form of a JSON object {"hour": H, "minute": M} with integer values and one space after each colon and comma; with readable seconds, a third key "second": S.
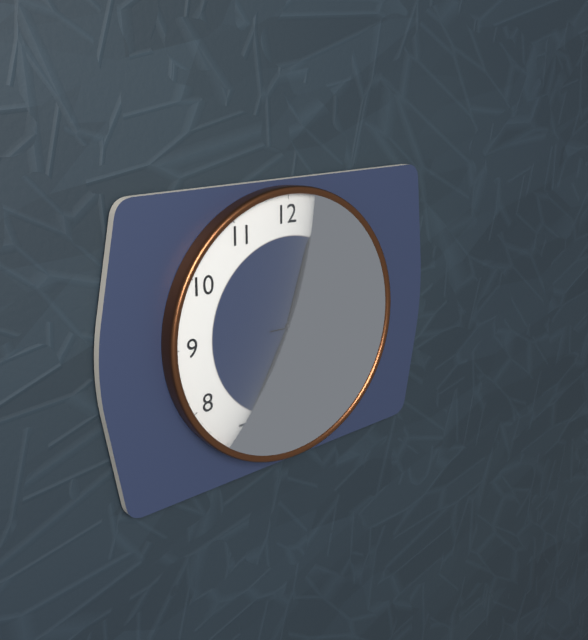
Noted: {"hour": 12, "minute": 35, "second": 15}
